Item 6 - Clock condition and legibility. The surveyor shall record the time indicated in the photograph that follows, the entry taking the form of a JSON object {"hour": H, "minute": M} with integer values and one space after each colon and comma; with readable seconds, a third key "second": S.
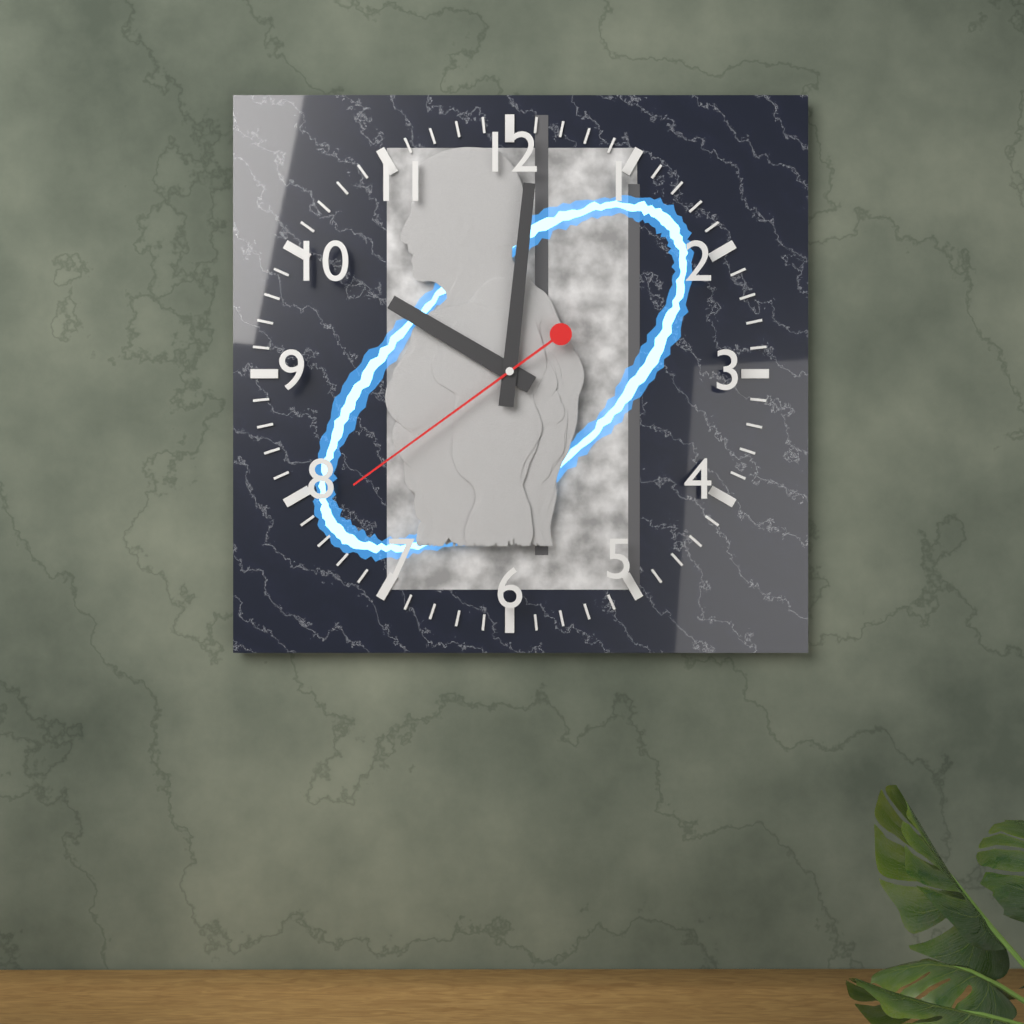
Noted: {"hour": 10, "minute": 1, "second": 39}
